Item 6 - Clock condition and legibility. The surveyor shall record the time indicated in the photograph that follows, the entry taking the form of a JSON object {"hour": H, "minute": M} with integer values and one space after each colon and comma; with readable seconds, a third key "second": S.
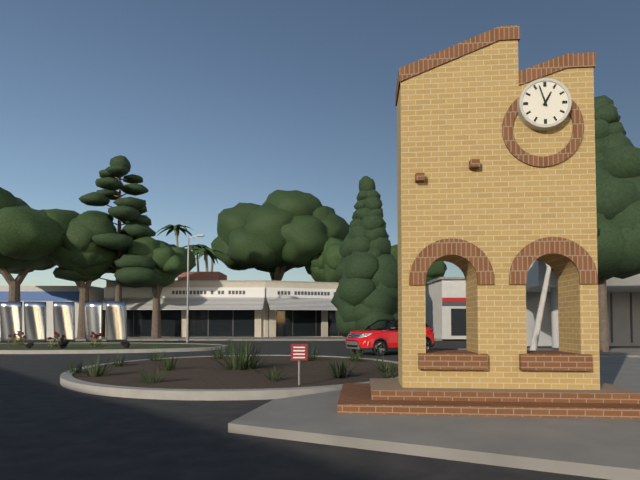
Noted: {"hour": 12, "minute": 57}
